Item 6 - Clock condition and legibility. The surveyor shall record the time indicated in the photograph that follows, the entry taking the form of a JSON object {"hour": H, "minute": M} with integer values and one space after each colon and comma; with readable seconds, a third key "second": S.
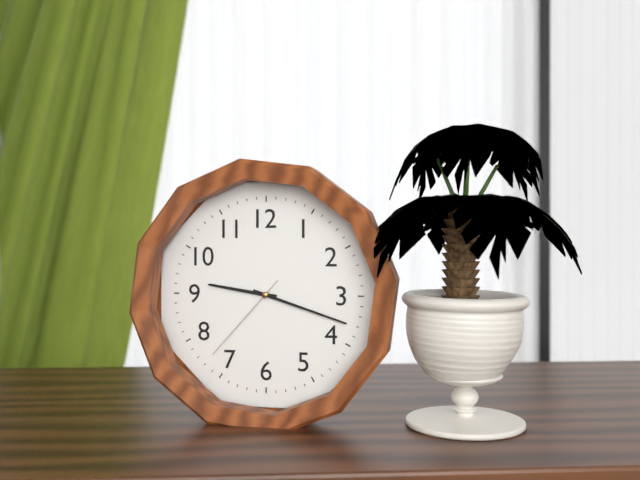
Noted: {"hour": 9, "minute": 18, "second": 37}
